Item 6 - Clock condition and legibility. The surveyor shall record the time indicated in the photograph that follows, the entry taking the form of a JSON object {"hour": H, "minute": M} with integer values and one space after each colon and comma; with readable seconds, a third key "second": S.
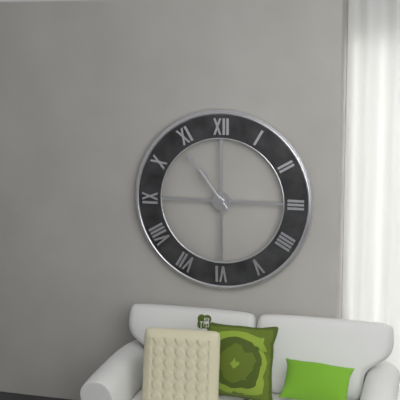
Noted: {"hour": 10, "minute": 54}
